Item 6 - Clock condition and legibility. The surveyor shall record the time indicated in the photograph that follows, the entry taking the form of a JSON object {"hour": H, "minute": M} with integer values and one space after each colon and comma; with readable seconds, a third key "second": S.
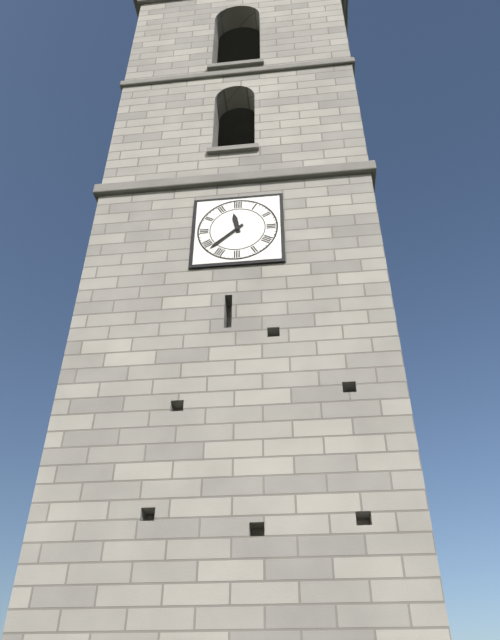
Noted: {"hour": 11, "minute": 38}
